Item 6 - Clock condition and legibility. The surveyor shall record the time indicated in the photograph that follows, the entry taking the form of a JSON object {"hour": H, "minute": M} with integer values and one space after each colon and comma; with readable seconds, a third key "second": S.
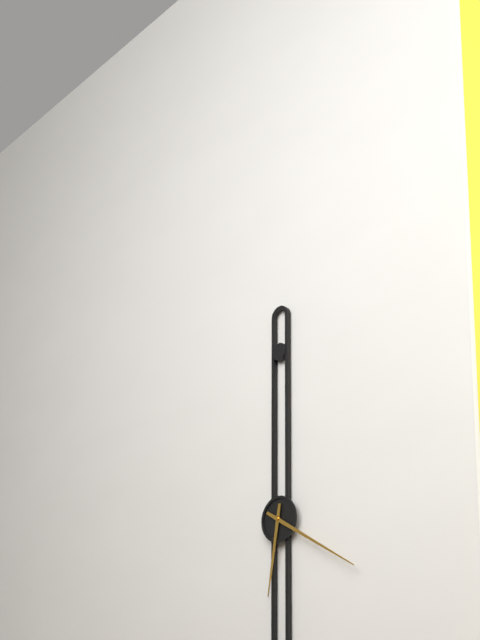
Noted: {"hour": 6, "minute": 20}
